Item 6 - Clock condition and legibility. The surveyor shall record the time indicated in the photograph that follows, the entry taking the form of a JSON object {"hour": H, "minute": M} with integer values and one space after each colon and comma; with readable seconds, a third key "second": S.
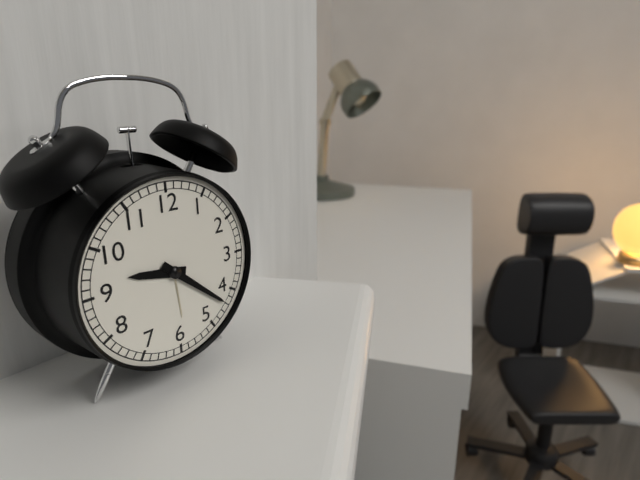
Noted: {"hour": 9, "minute": 22}
